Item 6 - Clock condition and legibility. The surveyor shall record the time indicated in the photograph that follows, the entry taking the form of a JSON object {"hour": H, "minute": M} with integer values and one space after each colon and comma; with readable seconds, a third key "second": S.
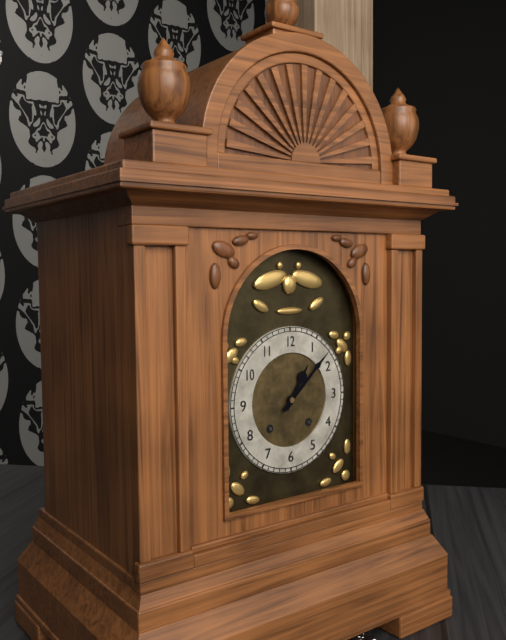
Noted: {"hour": 1, "minute": 8}
